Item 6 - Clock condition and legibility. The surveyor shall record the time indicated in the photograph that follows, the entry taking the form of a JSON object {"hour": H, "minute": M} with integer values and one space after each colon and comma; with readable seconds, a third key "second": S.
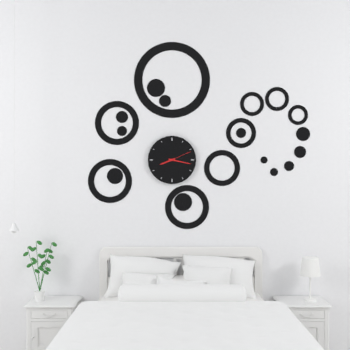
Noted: {"hour": 8, "minute": 17}
